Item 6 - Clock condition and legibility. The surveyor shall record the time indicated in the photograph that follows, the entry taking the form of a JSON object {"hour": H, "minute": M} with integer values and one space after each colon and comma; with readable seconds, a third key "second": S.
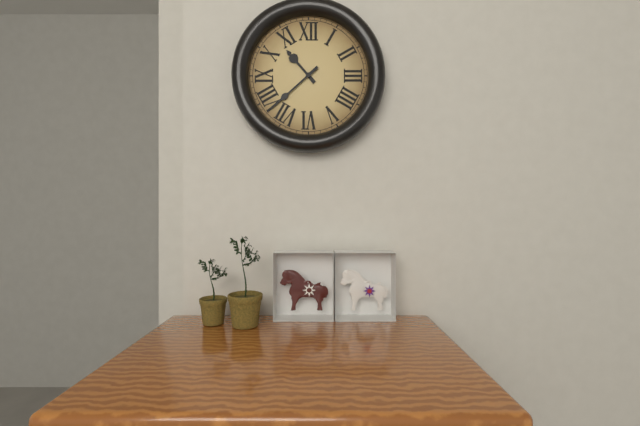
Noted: {"hour": 10, "minute": 38}
